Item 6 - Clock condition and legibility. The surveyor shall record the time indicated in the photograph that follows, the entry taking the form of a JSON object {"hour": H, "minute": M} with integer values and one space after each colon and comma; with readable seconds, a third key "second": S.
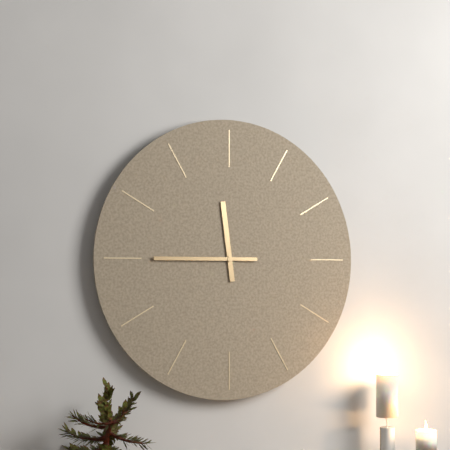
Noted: {"hour": 11, "minute": 45}
